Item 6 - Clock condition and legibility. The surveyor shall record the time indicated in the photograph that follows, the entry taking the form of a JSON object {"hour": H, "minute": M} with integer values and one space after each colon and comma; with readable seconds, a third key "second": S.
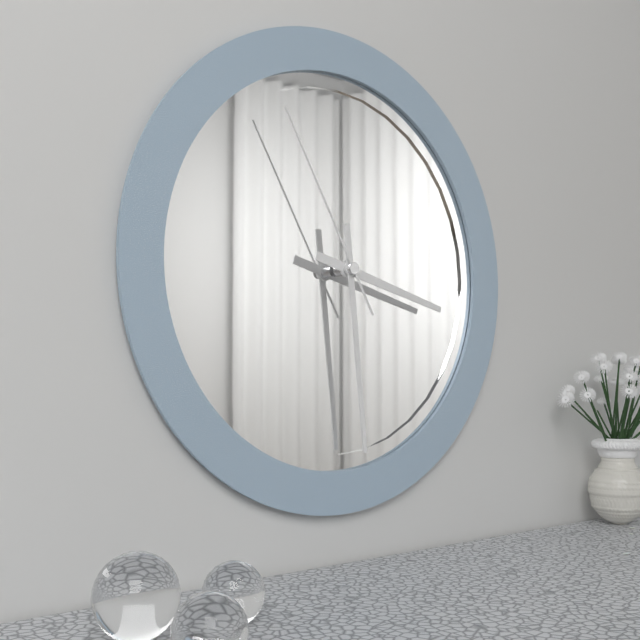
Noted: {"hour": 3, "minute": 29, "second": 55}
